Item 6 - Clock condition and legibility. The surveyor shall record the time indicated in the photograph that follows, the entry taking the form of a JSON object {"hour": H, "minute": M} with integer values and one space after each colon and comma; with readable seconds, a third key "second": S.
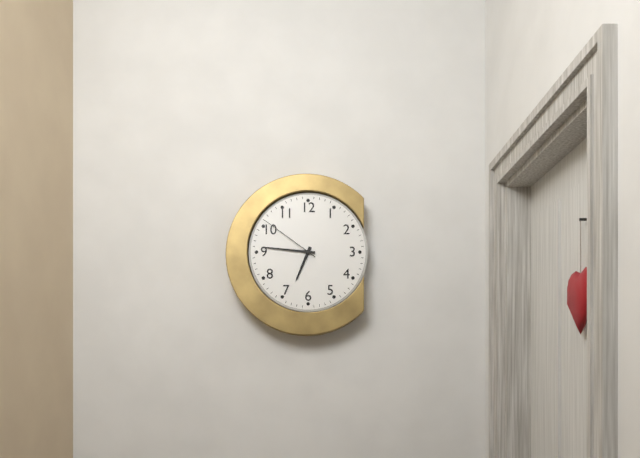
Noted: {"hour": 6, "minute": 46, "second": 51}
